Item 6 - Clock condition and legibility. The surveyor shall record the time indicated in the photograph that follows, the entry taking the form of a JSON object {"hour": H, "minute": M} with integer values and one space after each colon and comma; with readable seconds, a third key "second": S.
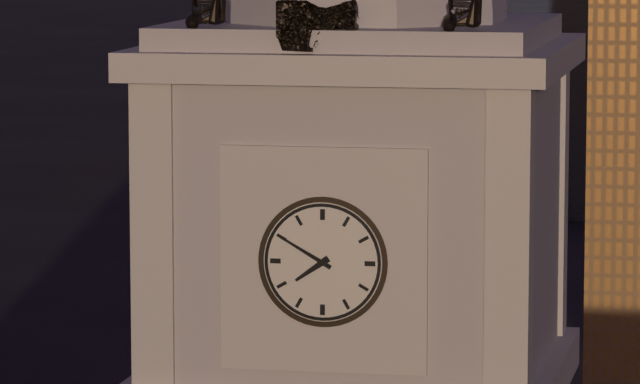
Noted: {"hour": 7, "minute": 50}
